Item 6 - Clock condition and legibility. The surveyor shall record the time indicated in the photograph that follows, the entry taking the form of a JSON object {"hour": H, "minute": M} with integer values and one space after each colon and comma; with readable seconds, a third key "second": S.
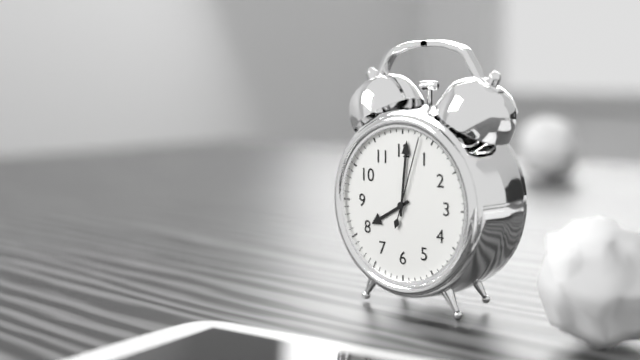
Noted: {"hour": 8, "minute": 1, "second": 3}
